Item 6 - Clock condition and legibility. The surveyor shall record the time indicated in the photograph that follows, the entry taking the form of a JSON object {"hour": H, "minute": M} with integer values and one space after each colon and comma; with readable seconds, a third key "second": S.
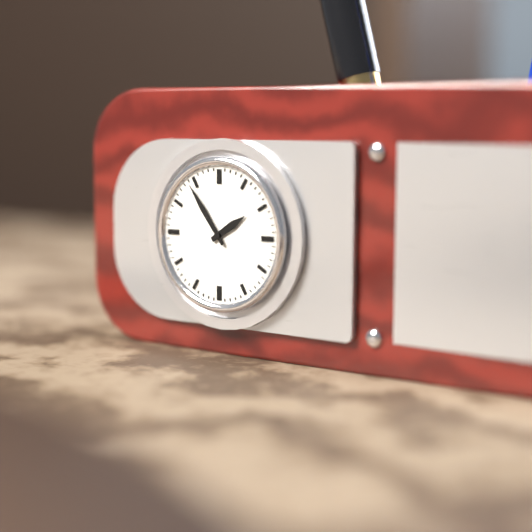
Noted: {"hour": 1, "minute": 54}
